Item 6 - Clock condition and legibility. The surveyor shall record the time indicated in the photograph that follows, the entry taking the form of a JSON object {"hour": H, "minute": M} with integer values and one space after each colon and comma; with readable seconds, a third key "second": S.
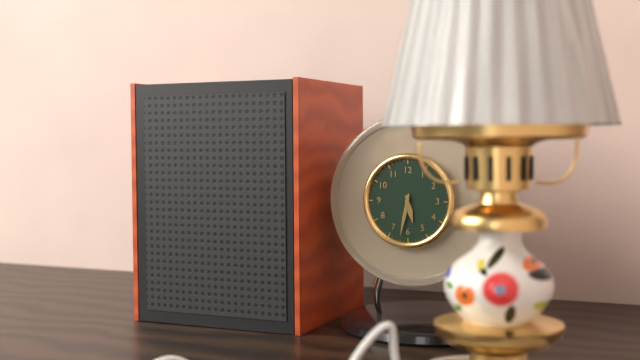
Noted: {"hour": 5, "minute": 32}
